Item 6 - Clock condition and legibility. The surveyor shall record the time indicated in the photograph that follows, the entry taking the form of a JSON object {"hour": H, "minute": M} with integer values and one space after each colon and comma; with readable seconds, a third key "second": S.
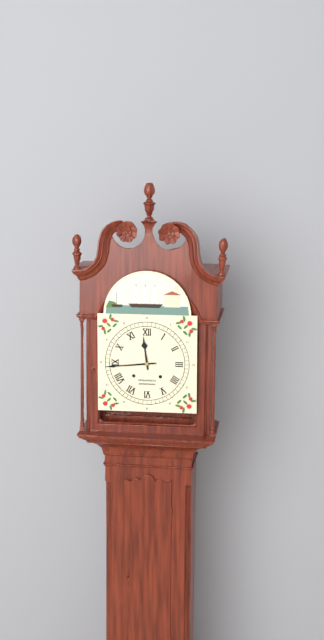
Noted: {"hour": 11, "minute": 44}
